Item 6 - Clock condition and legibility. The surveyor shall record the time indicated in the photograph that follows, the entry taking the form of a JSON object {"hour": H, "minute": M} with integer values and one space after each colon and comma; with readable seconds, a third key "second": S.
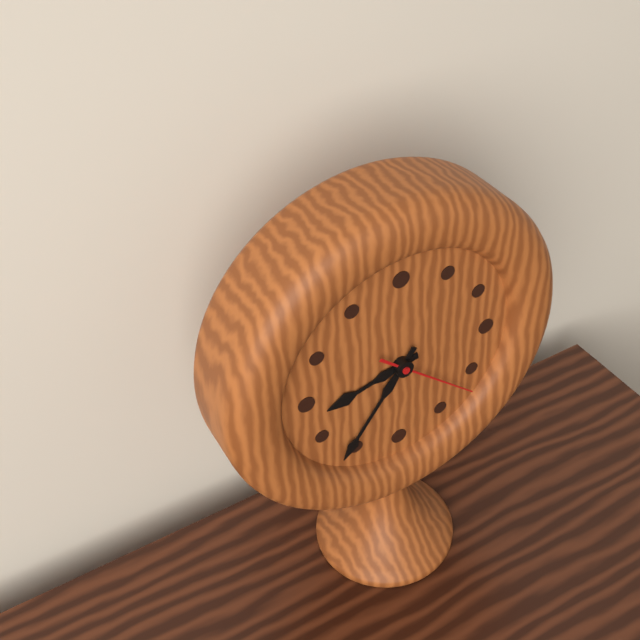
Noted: {"hour": 8, "minute": 36, "second": 22}
